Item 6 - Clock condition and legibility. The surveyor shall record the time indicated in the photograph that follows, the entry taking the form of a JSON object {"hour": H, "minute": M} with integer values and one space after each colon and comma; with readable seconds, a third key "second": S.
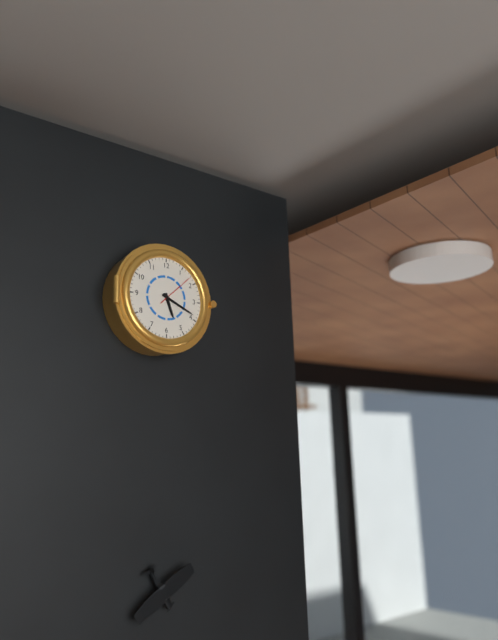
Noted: {"hour": 5, "minute": 19}
